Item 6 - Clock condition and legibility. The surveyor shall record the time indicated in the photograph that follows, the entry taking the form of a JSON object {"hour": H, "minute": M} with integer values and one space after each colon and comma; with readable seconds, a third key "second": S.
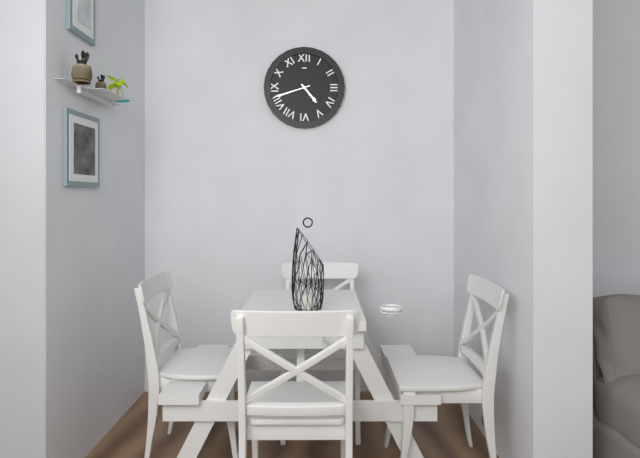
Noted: {"hour": 4, "minute": 42}
